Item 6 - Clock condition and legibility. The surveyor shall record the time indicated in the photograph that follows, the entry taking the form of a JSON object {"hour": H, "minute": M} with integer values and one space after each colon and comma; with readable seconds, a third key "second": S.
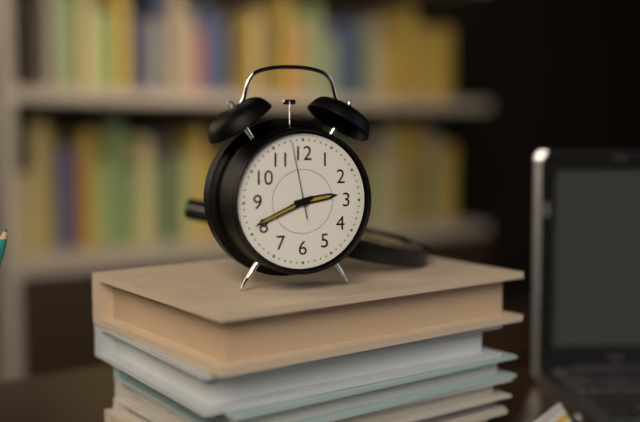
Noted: {"hour": 2, "minute": 41, "second": 58}
